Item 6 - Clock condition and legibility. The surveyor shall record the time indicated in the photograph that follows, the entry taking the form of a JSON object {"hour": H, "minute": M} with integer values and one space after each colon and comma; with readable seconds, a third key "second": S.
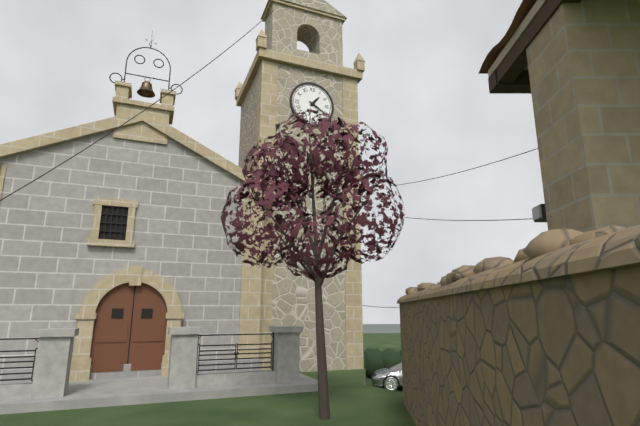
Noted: {"hour": 1, "minute": 20}
